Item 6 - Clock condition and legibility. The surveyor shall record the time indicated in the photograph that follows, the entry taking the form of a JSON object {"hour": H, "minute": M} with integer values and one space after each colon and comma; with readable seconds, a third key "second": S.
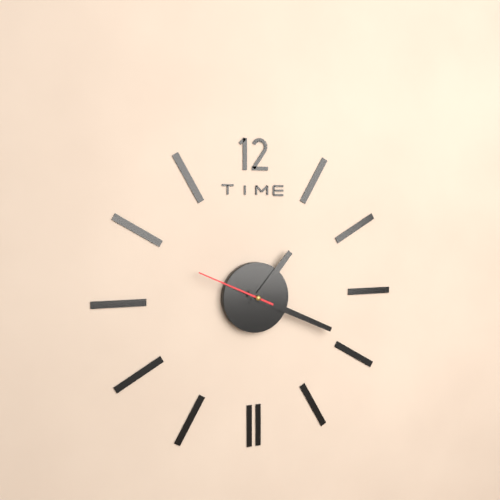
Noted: {"hour": 1, "minute": 19, "second": 49}
